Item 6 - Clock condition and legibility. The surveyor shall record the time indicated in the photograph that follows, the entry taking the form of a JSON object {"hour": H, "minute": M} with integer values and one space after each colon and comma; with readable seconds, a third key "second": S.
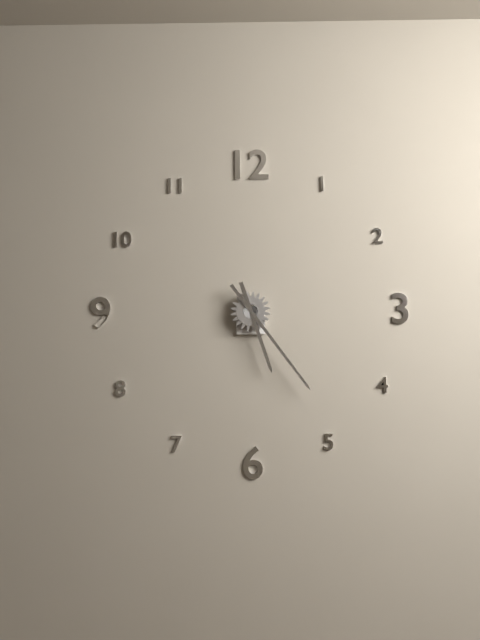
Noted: {"hour": 5, "minute": 24}
